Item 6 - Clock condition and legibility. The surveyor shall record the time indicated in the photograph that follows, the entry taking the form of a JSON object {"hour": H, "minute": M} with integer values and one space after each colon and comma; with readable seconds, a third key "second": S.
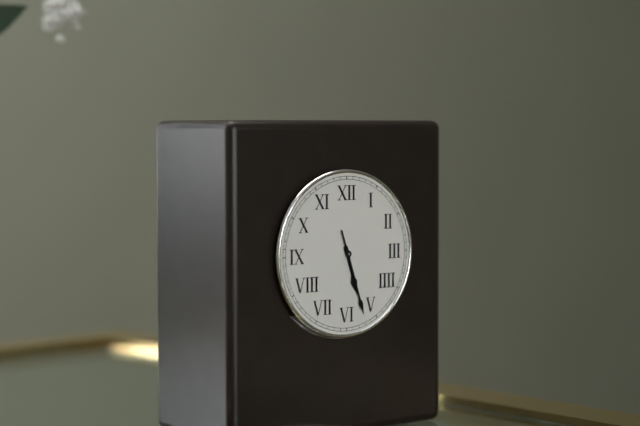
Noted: {"hour": 5, "minute": 27}
